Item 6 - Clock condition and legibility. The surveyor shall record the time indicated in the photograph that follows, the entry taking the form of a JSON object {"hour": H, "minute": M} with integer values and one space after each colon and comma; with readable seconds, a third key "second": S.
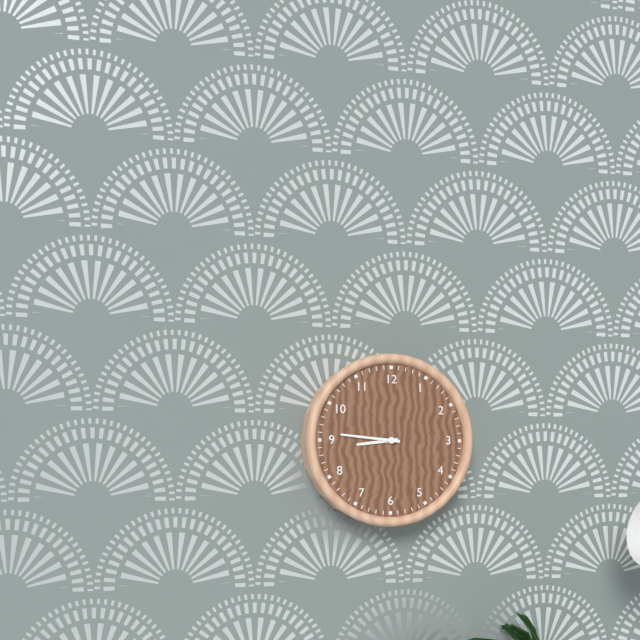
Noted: {"hour": 8, "minute": 46}
